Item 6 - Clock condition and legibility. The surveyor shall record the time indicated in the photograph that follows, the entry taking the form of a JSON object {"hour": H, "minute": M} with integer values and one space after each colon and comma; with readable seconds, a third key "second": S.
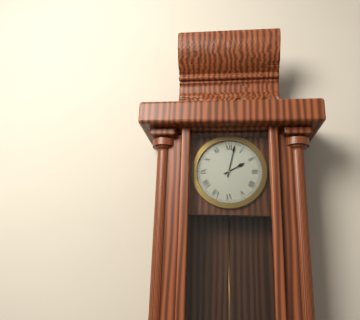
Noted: {"hour": 2, "minute": 2}
